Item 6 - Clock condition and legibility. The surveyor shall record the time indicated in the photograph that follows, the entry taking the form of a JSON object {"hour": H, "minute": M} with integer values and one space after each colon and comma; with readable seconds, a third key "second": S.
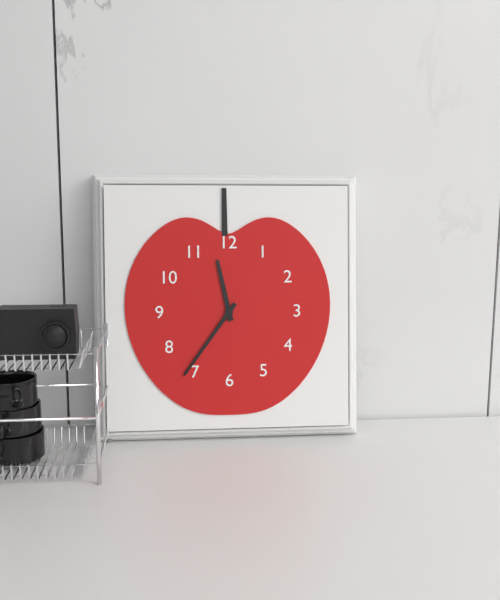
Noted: {"hour": 11, "minute": 36}
